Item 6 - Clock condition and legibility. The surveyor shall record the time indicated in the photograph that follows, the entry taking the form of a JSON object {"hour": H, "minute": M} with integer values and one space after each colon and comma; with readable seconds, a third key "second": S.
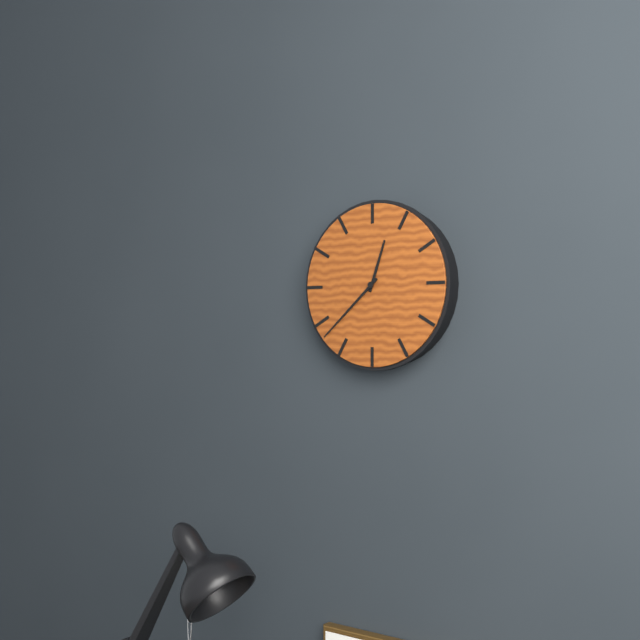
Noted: {"hour": 12, "minute": 38}
